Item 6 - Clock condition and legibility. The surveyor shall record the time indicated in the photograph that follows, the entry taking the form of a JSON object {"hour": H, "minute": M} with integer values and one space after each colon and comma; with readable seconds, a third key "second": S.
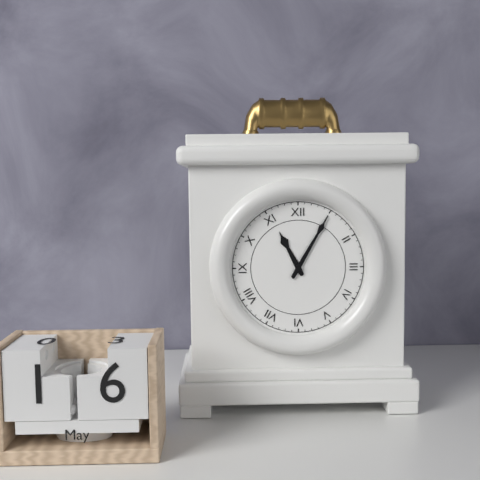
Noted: {"hour": 11, "minute": 5}
